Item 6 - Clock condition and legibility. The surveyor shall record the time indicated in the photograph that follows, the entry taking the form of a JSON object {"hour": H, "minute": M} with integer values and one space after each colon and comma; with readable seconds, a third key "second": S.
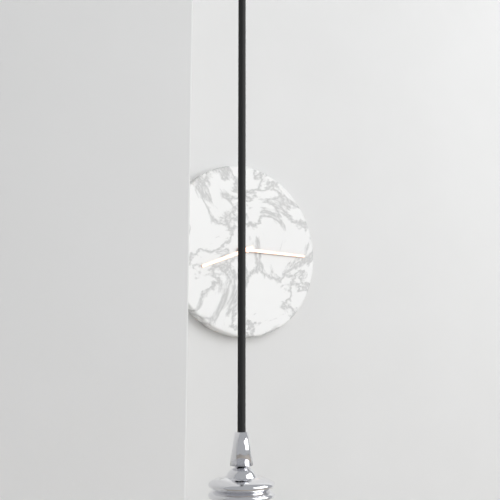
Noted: {"hour": 8, "minute": 15}
